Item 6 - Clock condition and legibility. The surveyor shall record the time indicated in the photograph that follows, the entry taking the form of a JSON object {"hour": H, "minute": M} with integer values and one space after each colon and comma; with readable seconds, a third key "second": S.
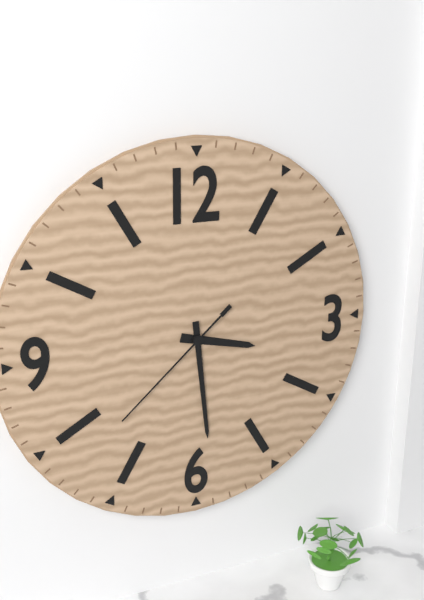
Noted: {"hour": 3, "minute": 29, "second": 38}
